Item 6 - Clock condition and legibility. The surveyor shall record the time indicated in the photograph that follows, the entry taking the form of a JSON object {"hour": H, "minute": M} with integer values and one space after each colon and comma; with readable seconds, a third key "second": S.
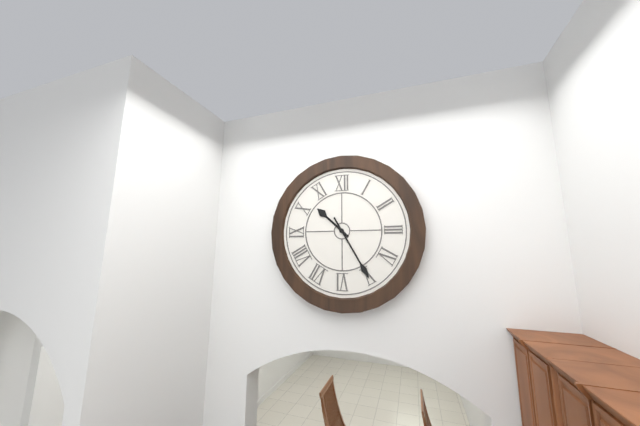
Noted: {"hour": 10, "minute": 25}
